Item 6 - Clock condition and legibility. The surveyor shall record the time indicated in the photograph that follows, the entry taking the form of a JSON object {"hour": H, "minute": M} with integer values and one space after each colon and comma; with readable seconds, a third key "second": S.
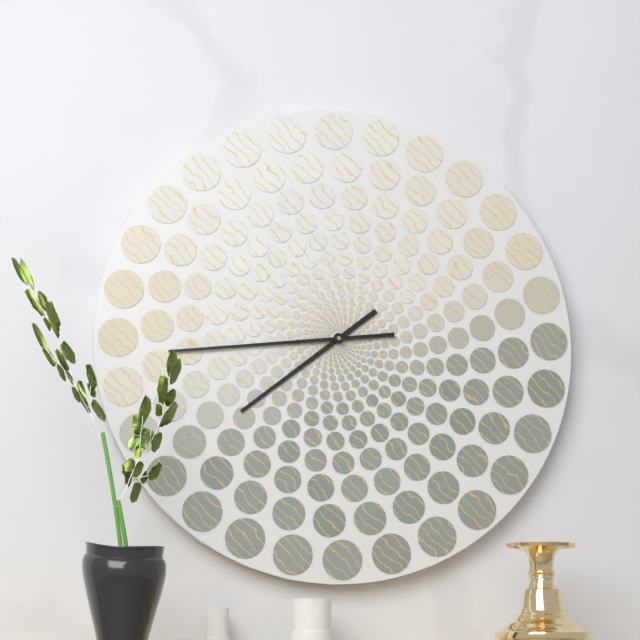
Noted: {"hour": 7, "minute": 44}
